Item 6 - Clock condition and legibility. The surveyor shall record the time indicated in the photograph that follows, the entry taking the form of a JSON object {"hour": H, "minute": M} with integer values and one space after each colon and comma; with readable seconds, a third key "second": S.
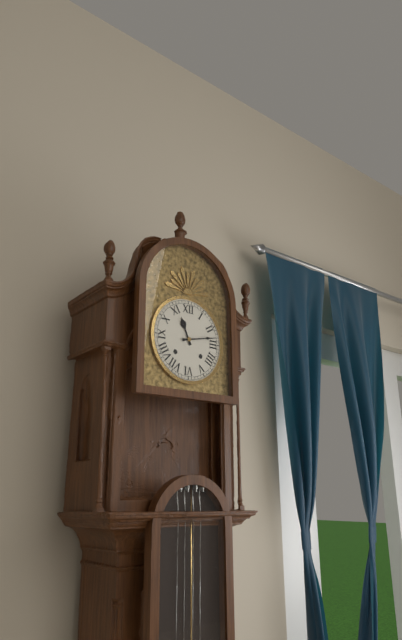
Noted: {"hour": 11, "minute": 13}
